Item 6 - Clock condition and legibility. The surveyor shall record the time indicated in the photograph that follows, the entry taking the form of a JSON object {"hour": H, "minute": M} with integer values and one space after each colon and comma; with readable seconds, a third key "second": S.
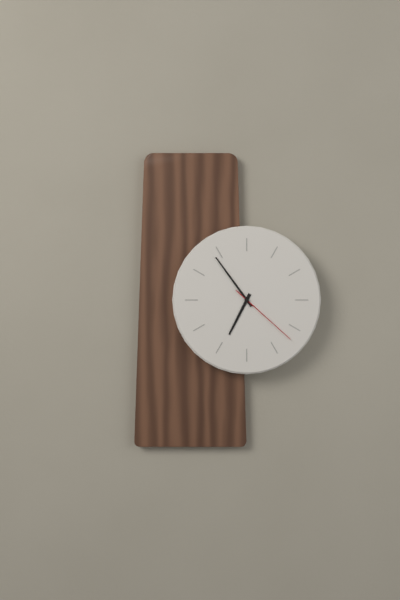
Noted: {"hour": 6, "minute": 54, "second": 22}
